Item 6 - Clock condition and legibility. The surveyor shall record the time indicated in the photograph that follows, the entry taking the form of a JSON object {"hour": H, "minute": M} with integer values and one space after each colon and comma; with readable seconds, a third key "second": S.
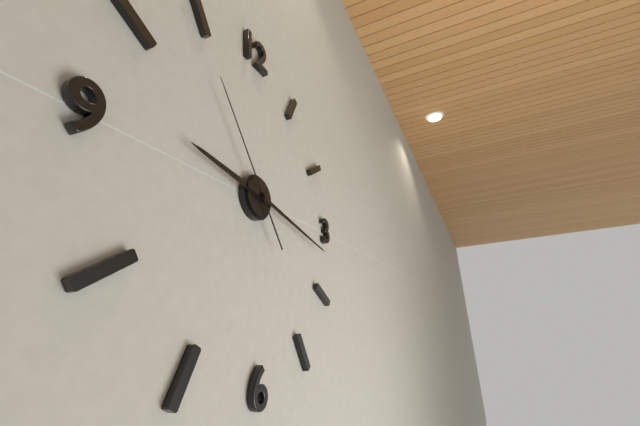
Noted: {"hour": 9, "minute": 17, "second": 54}
